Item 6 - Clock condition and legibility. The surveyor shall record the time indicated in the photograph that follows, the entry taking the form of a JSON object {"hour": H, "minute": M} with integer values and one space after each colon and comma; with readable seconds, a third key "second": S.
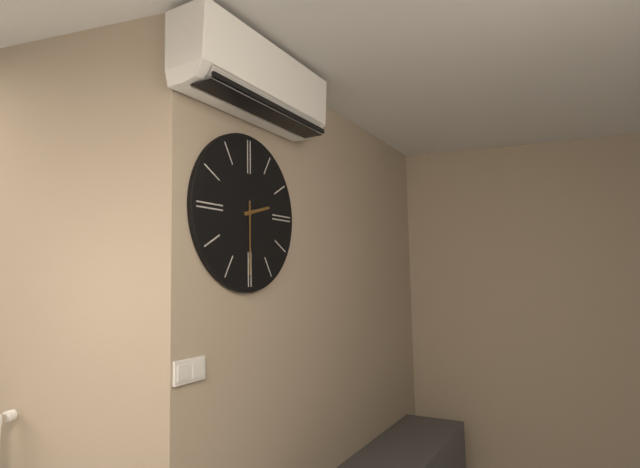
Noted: {"hour": 2, "minute": 30}
